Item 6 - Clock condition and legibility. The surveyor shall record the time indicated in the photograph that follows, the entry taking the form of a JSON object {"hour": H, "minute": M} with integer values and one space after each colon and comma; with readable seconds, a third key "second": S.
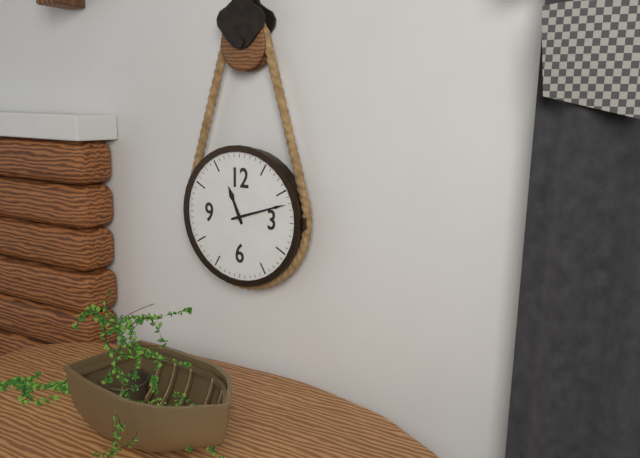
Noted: {"hour": 11, "minute": 12}
